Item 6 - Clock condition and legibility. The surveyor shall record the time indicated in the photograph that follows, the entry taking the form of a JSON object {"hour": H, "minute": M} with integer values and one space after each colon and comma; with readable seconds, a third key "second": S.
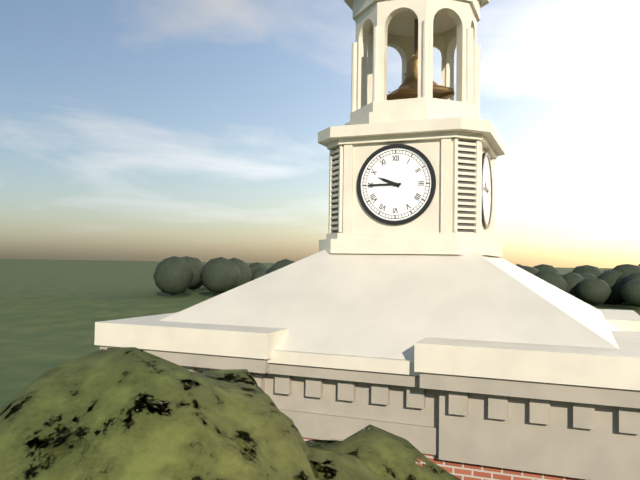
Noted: {"hour": 9, "minute": 45}
